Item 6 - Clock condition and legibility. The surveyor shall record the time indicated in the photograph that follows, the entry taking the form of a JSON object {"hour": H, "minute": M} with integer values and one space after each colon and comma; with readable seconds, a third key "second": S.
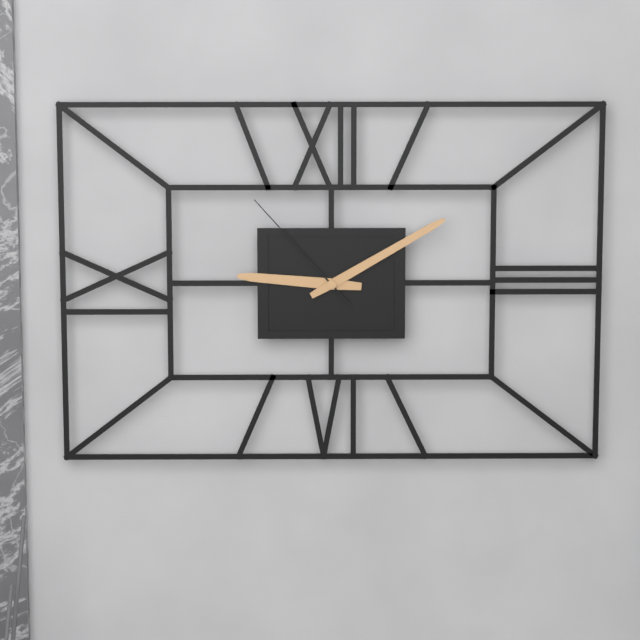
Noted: {"hour": 9, "minute": 10, "second": 53}
